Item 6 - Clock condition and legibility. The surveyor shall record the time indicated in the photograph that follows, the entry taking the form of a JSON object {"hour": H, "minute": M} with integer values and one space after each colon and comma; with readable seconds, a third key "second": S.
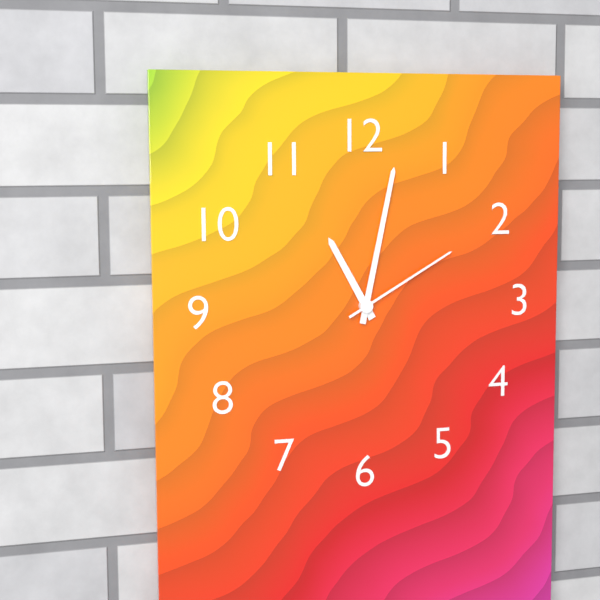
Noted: {"hour": 11, "minute": 2, "second": 10}
